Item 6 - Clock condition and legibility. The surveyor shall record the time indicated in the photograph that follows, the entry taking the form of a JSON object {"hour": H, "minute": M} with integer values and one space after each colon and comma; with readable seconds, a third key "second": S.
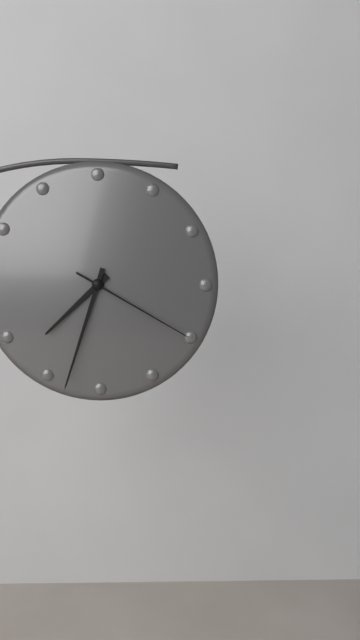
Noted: {"hour": 7, "minute": 33, "second": 20}
